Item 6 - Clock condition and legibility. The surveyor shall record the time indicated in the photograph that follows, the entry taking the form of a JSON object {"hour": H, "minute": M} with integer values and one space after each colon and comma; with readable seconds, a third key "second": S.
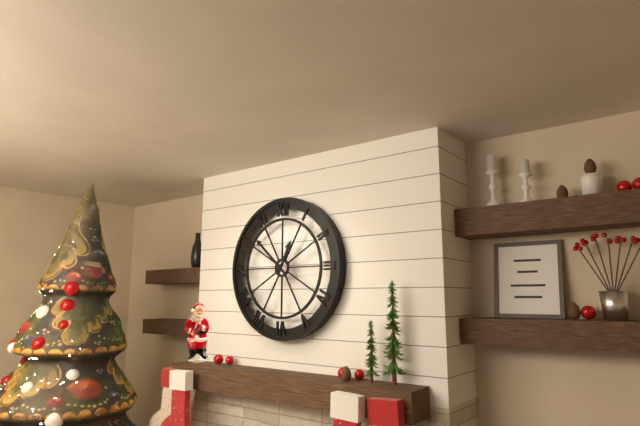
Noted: {"hour": 12, "minute": 52}
